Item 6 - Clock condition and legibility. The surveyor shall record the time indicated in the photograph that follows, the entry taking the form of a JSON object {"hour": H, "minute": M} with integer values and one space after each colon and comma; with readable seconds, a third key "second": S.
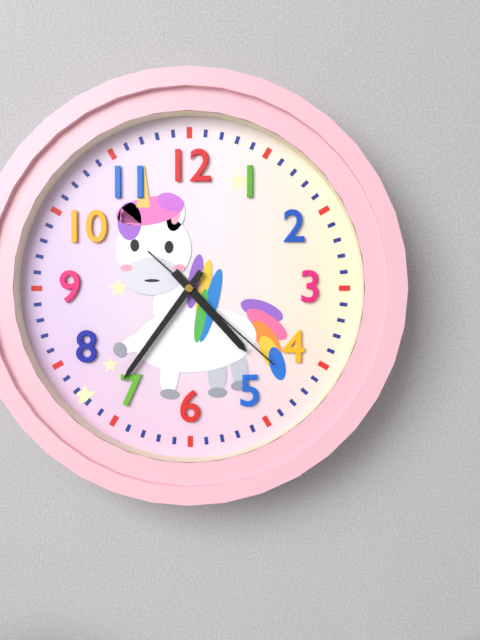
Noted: {"hour": 4, "minute": 36, "second": 22}
